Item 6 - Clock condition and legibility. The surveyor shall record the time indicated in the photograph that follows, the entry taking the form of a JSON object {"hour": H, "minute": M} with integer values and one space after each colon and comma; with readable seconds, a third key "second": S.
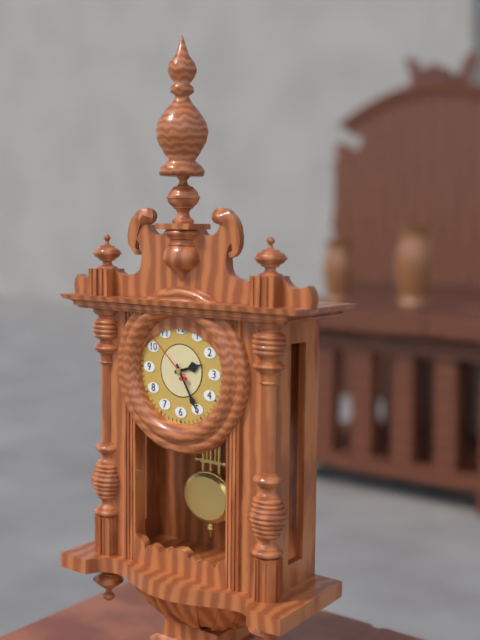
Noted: {"hour": 2, "minute": 25, "second": 52}
